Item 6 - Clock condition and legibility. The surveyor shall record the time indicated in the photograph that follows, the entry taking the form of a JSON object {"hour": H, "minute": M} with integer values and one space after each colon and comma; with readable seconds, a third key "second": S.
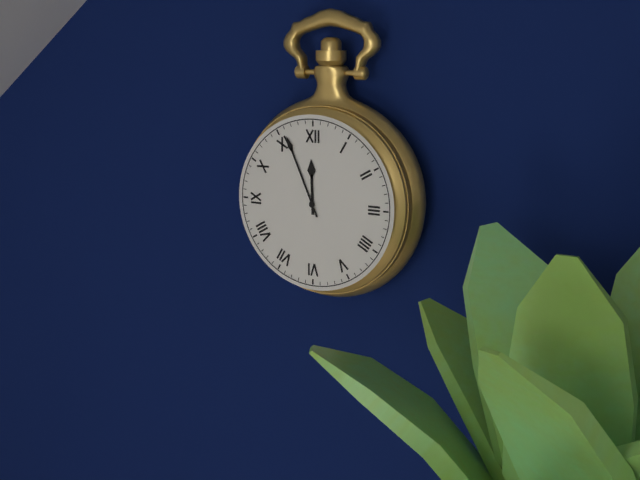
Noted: {"hour": 11, "minute": 56}
